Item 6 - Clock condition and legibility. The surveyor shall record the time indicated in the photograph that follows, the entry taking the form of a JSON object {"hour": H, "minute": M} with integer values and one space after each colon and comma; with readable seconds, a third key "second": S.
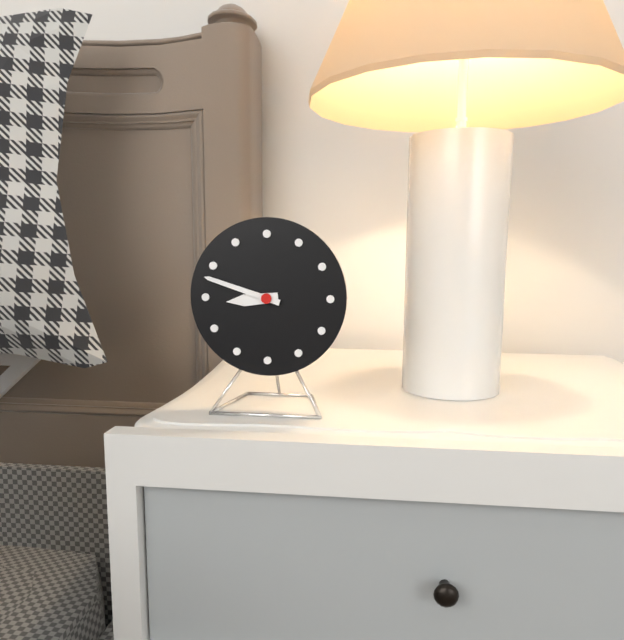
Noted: {"hour": 8, "minute": 48}
